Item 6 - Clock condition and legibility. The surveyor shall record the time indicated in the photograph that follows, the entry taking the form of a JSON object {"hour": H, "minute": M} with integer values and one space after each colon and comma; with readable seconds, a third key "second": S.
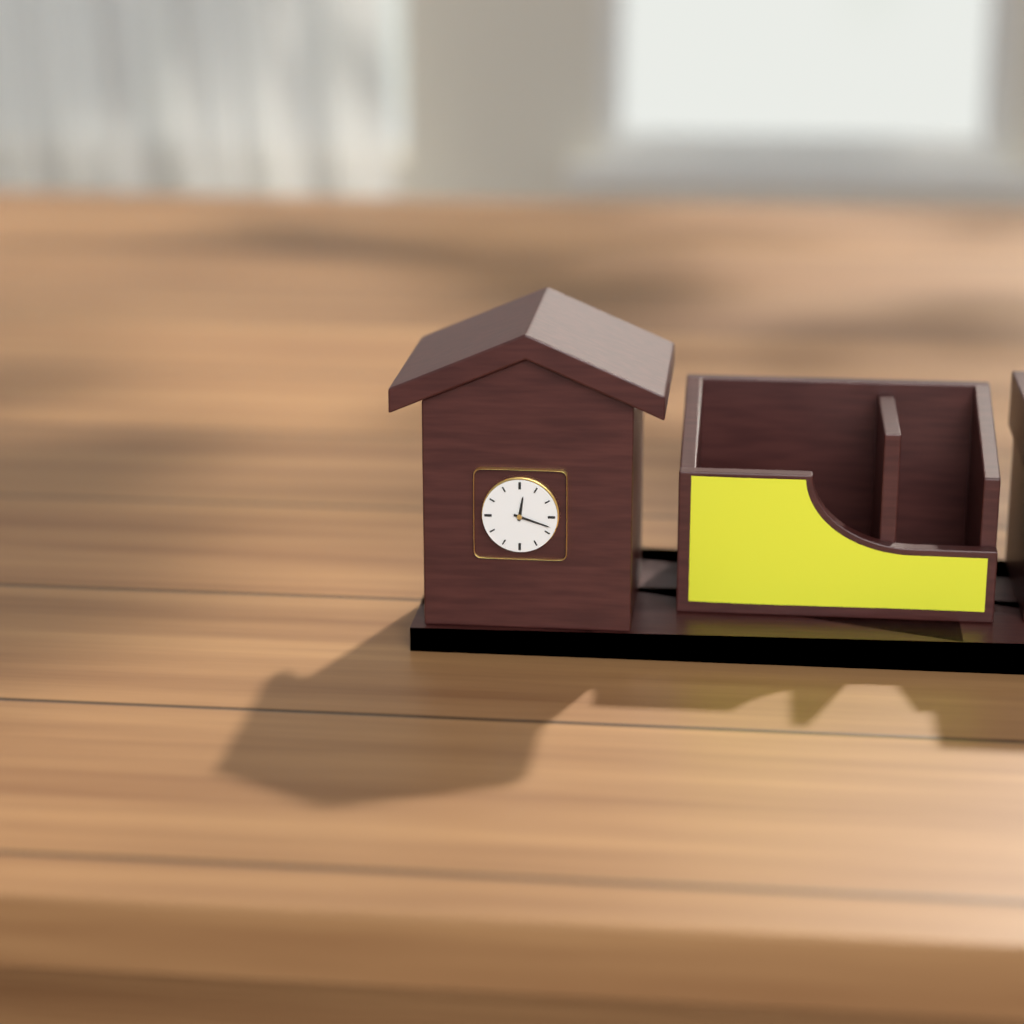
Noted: {"hour": 12, "minute": 18}
